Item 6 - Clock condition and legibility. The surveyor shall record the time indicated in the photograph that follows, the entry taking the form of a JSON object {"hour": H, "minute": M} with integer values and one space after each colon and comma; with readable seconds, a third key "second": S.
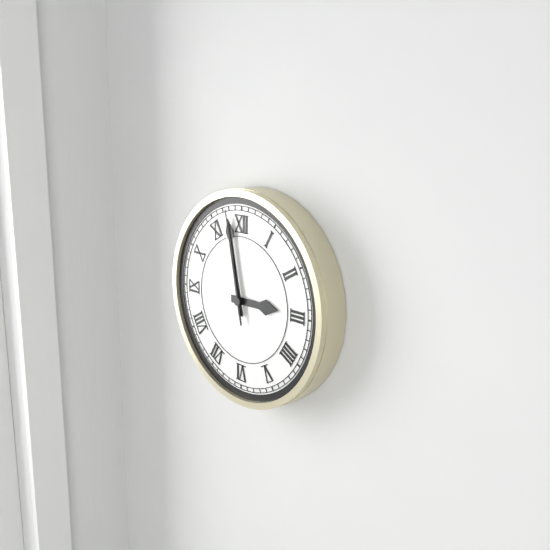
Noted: {"hour": 2, "minute": 58, "second": 58}
